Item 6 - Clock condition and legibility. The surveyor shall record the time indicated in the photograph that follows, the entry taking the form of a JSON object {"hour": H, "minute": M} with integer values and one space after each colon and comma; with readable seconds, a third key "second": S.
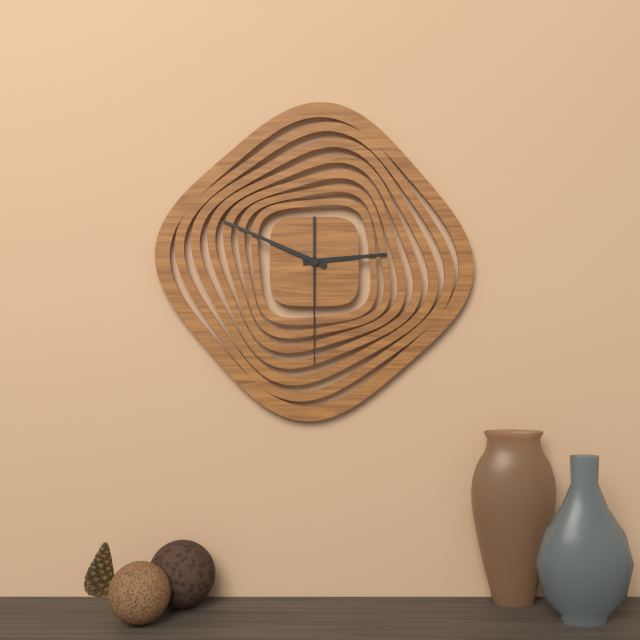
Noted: {"hour": 2, "minute": 49, "second": 30}
